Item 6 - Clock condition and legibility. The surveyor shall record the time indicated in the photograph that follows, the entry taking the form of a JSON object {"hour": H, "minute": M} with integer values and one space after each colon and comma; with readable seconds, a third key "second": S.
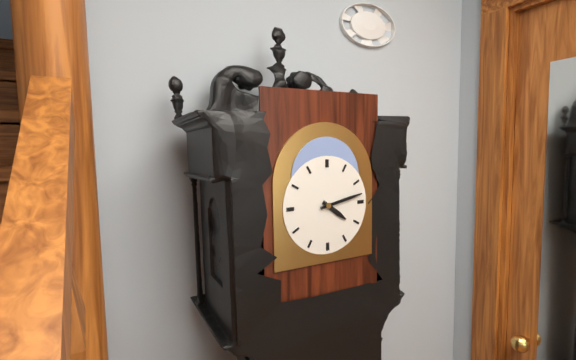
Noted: {"hour": 4, "minute": 13}
